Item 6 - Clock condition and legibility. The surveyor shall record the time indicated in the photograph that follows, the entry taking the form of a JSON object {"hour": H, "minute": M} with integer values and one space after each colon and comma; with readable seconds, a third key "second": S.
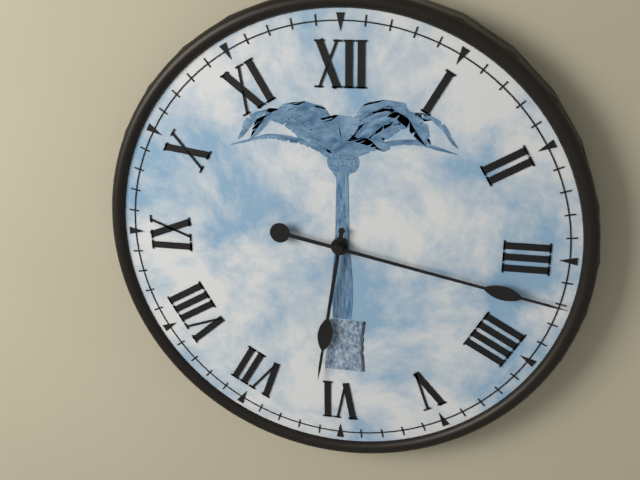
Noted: {"hour": 6, "minute": 17}
